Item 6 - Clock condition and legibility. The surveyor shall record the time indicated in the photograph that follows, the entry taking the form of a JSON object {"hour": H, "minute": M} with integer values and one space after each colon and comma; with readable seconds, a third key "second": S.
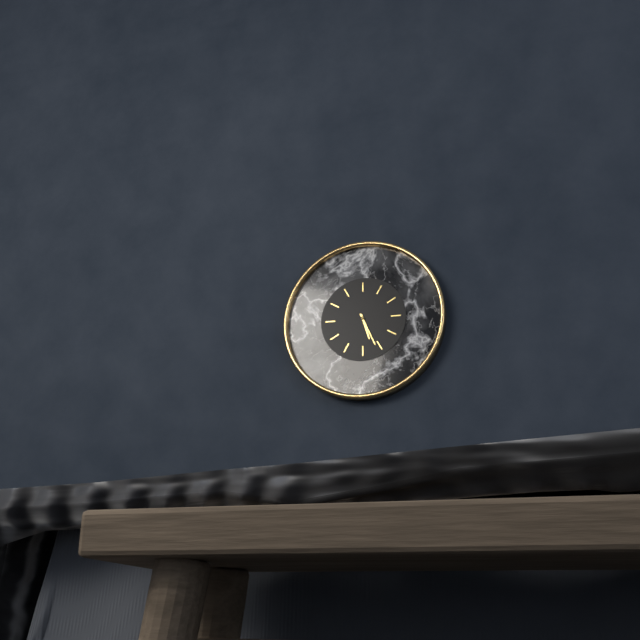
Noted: {"hour": 5, "minute": 26}
